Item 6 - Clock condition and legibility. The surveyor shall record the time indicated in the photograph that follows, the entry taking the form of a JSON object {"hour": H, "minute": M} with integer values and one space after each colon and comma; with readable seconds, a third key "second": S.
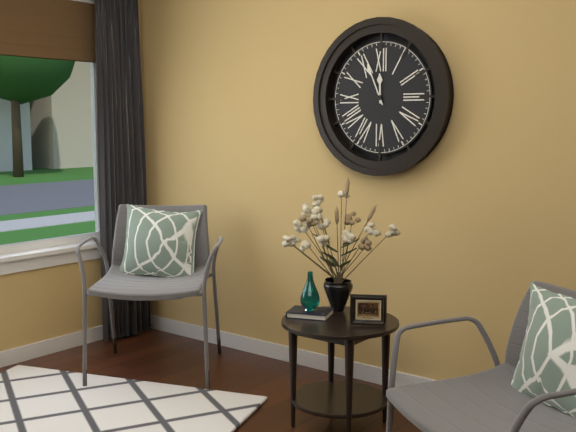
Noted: {"hour": 11, "minute": 56}
